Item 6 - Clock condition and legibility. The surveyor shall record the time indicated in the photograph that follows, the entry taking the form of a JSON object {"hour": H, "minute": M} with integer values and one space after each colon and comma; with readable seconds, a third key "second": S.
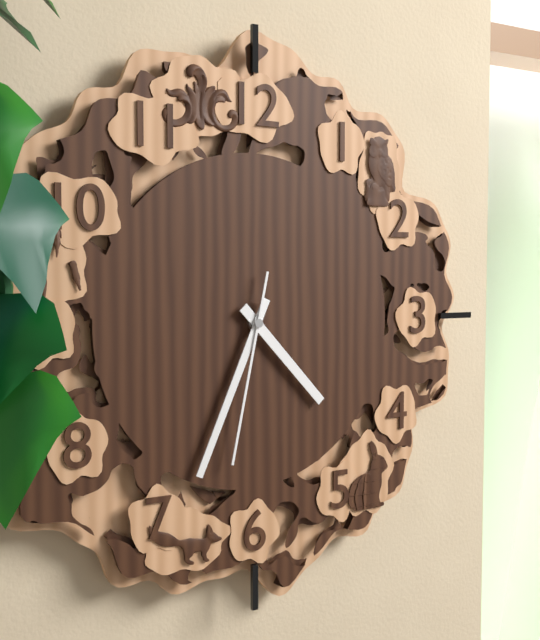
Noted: {"hour": 4, "minute": 34, "second": 32}
